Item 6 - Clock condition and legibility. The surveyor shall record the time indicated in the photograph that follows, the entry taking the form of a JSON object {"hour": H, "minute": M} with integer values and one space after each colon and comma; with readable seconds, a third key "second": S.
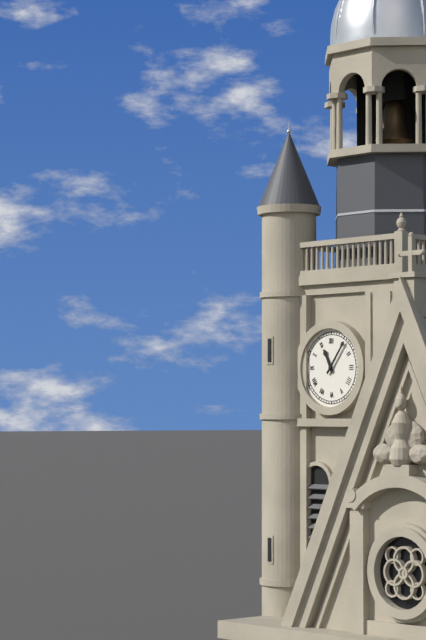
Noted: {"hour": 11, "minute": 6}
